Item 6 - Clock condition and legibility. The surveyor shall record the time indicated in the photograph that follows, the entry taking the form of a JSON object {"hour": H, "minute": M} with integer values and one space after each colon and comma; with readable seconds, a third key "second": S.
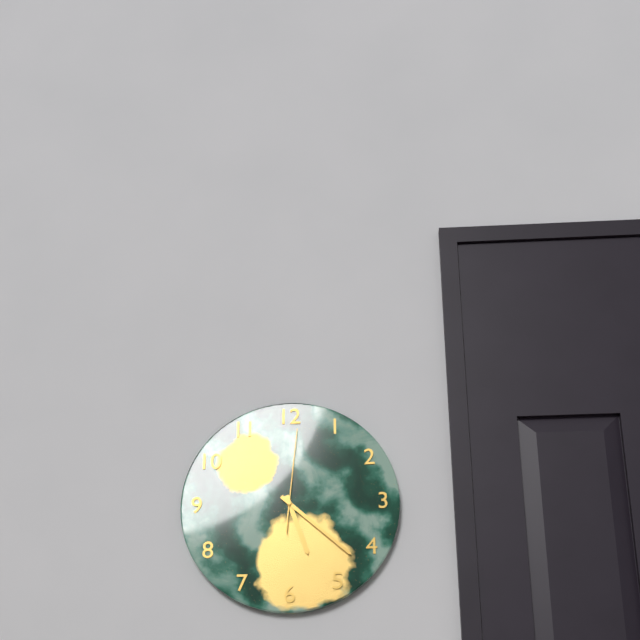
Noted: {"hour": 5, "minute": 22, "second": 1}
